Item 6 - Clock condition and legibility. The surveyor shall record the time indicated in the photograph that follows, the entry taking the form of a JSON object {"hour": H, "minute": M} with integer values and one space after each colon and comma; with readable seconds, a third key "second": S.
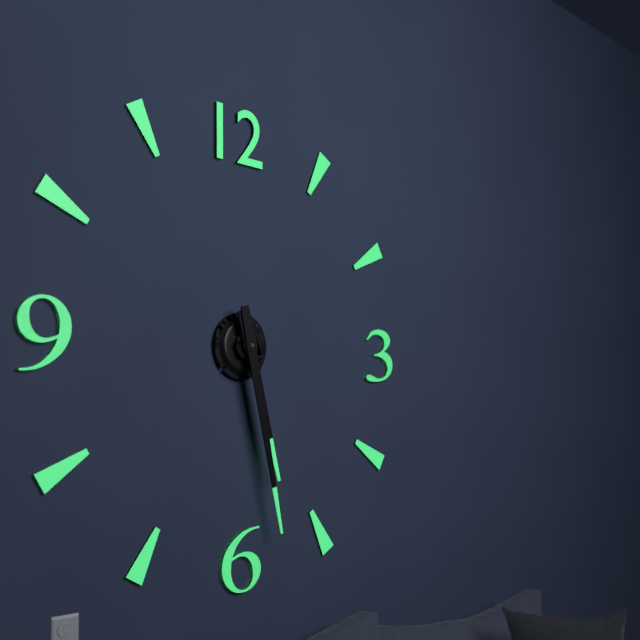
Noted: {"hour": 5, "minute": 28}
